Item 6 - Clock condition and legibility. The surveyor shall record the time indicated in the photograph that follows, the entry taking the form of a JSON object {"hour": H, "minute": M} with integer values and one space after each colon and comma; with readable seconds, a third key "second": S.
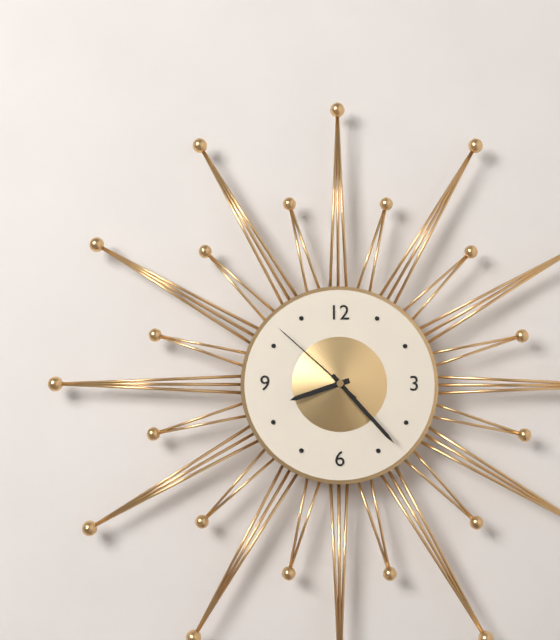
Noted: {"hour": 8, "minute": 23, "second": 52}
